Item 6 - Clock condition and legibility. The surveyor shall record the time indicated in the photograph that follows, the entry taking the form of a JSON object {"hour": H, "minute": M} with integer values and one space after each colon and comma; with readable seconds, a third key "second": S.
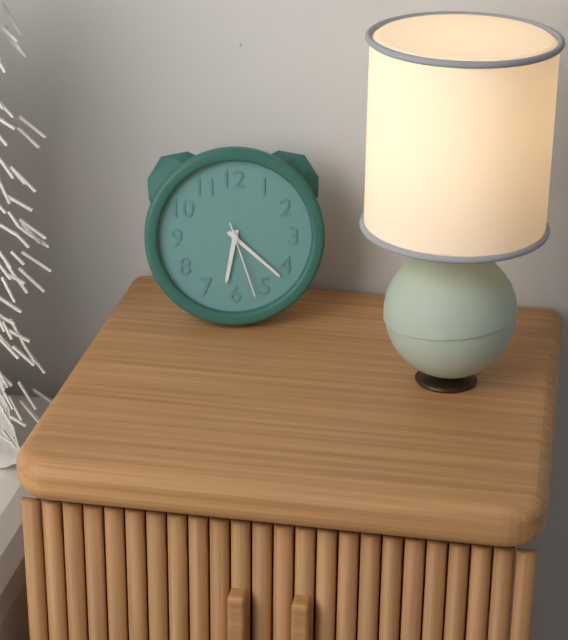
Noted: {"hour": 6, "minute": 22, "second": 27}
